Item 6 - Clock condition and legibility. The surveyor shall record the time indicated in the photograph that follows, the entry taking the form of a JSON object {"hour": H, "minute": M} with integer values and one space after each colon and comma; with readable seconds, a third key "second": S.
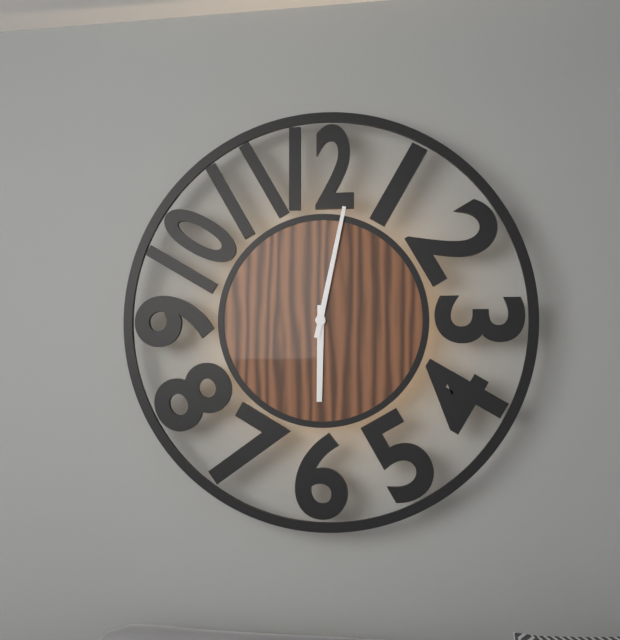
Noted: {"hour": 6, "minute": 2}
